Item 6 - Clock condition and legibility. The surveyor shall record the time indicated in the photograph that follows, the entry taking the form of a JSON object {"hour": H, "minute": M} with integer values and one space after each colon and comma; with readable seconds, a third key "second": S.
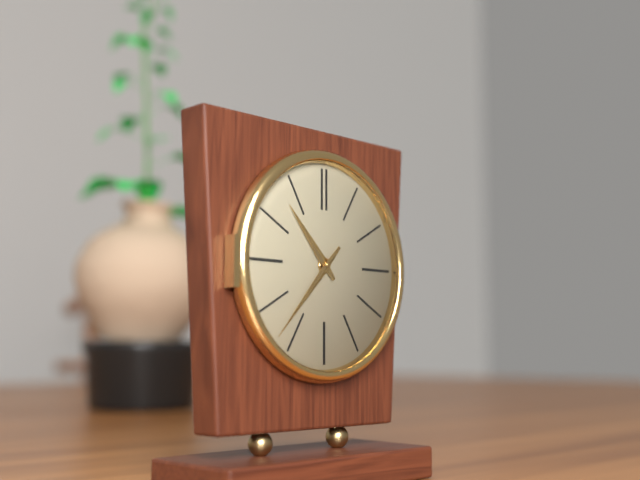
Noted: {"hour": 10, "minute": 37}
